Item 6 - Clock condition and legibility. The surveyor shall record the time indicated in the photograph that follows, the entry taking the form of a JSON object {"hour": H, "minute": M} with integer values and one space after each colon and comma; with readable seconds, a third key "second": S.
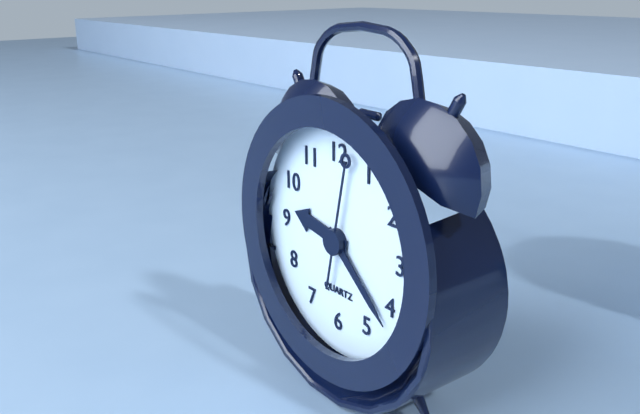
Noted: {"hour": 9, "minute": 22, "second": 2}
